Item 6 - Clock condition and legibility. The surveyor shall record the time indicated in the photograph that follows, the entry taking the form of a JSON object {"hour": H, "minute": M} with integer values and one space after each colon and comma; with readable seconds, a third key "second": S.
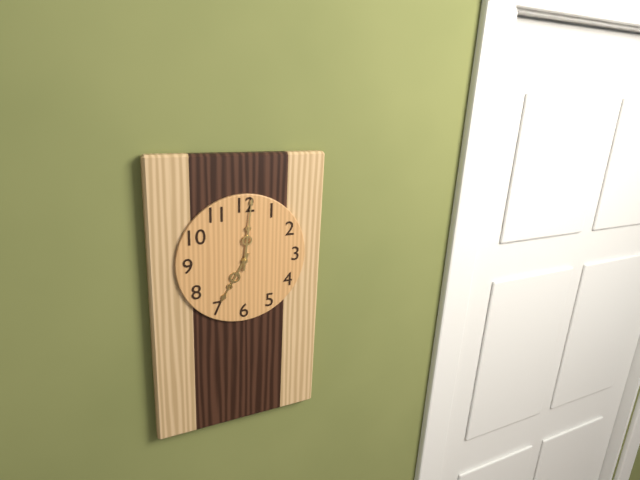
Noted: {"hour": 7, "minute": 1}
